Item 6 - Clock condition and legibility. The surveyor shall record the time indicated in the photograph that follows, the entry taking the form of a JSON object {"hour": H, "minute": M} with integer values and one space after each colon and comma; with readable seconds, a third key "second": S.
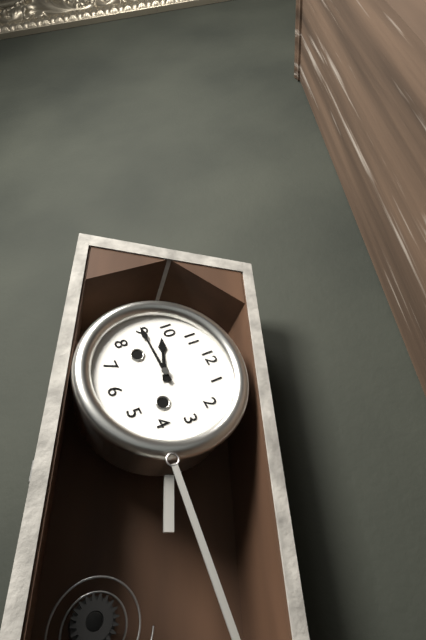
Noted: {"hour": 9, "minute": 45}
